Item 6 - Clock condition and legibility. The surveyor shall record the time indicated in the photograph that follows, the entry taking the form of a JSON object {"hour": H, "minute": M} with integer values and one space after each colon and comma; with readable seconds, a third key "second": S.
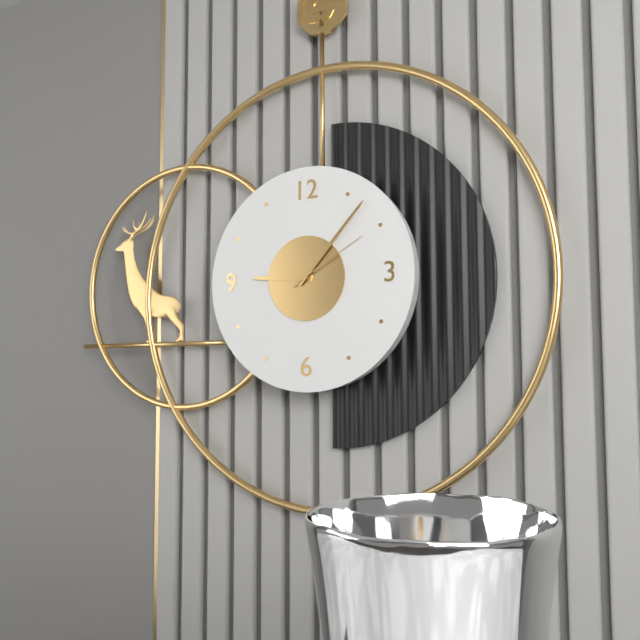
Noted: {"hour": 9, "minute": 7, "second": 10}
